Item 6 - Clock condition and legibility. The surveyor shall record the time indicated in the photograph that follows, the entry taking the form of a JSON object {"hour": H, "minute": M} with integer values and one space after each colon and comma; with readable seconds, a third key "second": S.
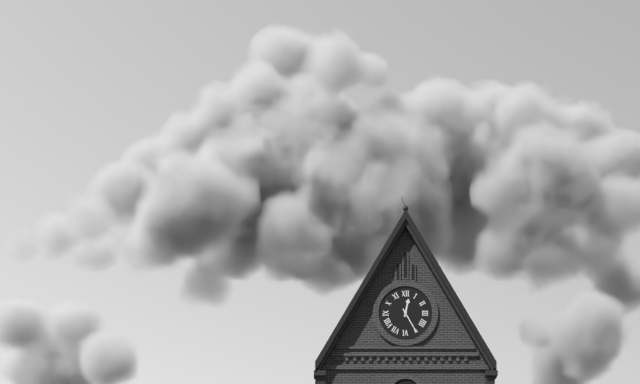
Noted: {"hour": 12, "minute": 25}
